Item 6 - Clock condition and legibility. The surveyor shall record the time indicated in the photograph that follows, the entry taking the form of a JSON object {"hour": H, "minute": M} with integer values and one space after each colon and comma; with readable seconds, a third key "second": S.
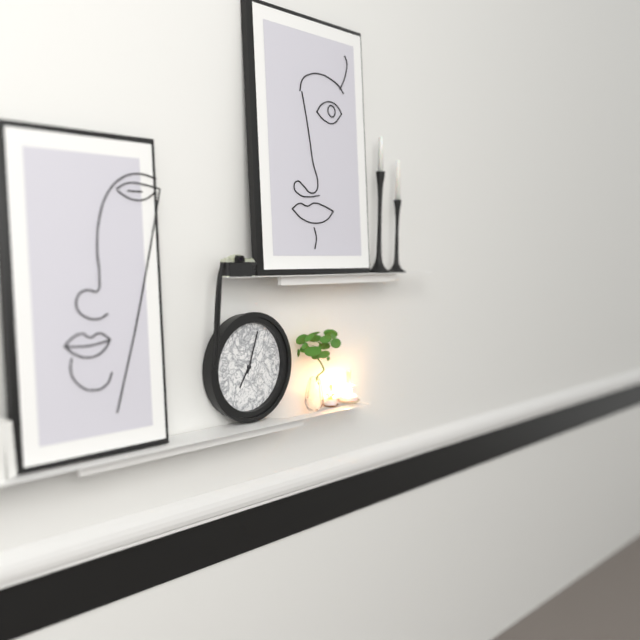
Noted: {"hour": 7, "minute": 3}
